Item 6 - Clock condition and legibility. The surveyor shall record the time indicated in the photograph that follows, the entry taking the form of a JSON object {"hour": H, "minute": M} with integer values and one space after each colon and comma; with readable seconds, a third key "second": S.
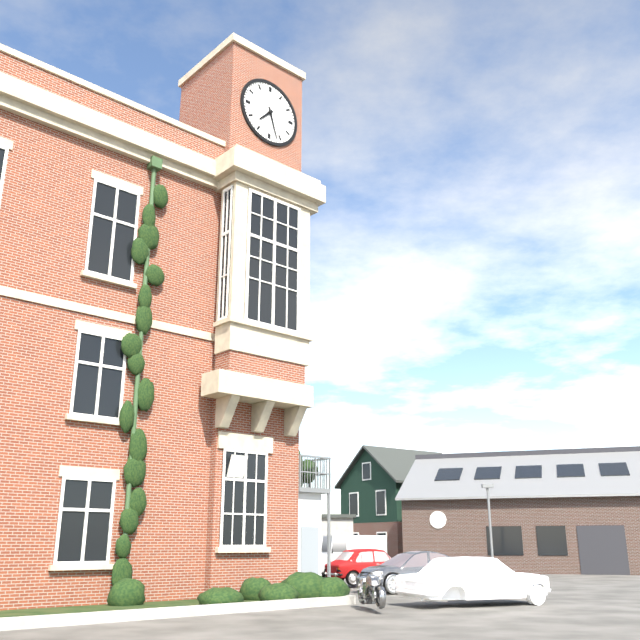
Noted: {"hour": 7, "minute": 27}
